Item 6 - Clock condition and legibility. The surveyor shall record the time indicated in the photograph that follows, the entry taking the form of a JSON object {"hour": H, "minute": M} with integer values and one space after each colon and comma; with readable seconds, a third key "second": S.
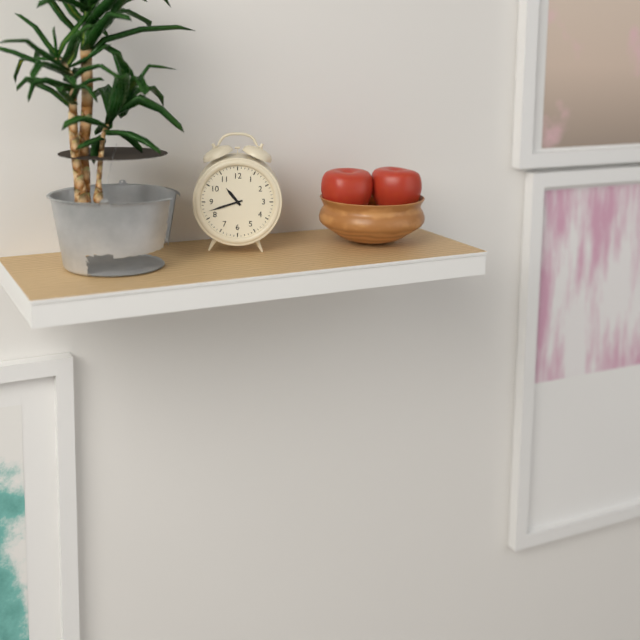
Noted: {"hour": 10, "minute": 42}
